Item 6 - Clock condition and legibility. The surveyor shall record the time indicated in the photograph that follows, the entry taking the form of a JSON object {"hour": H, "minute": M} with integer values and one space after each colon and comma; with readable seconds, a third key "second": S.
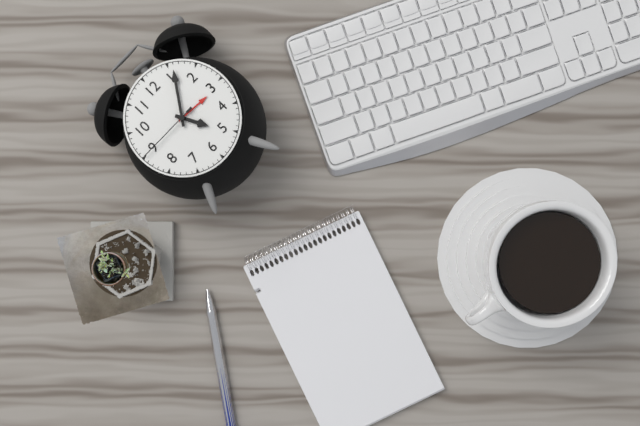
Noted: {"hour": 5, "minute": 6, "second": 45}
